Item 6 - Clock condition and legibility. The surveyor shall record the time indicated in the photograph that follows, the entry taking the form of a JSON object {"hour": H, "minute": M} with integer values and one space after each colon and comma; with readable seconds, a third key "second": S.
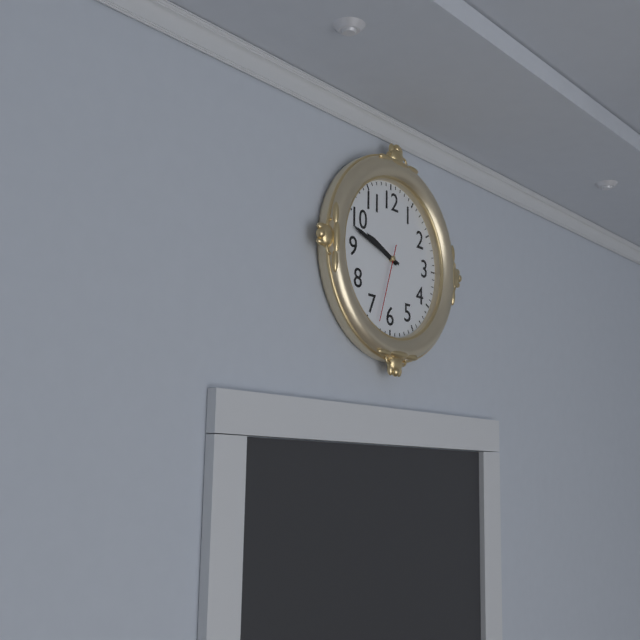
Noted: {"hour": 9, "minute": 48, "second": 33}
